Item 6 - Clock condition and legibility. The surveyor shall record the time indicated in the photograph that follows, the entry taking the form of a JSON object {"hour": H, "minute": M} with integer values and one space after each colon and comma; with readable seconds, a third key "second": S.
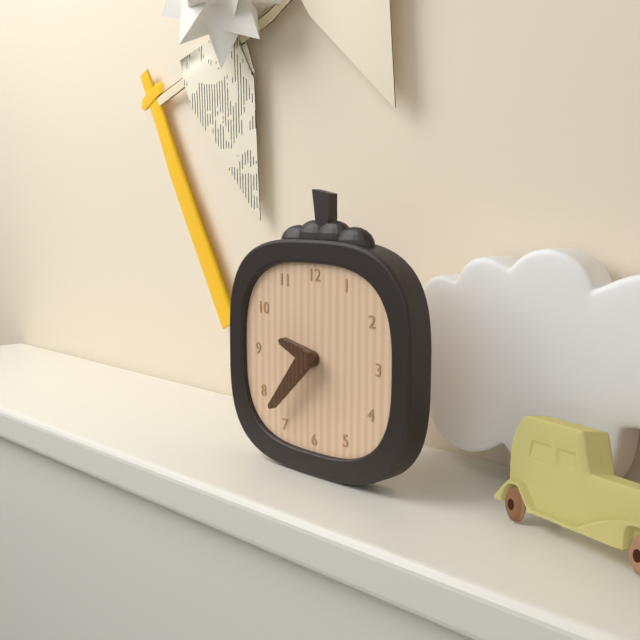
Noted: {"hour": 9, "minute": 37}
